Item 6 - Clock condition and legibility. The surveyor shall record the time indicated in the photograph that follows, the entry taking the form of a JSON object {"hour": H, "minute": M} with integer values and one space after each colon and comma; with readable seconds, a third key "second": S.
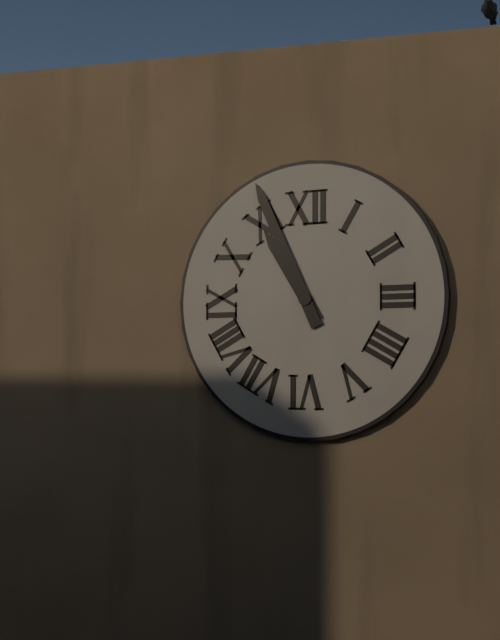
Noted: {"hour": 10, "minute": 56}
